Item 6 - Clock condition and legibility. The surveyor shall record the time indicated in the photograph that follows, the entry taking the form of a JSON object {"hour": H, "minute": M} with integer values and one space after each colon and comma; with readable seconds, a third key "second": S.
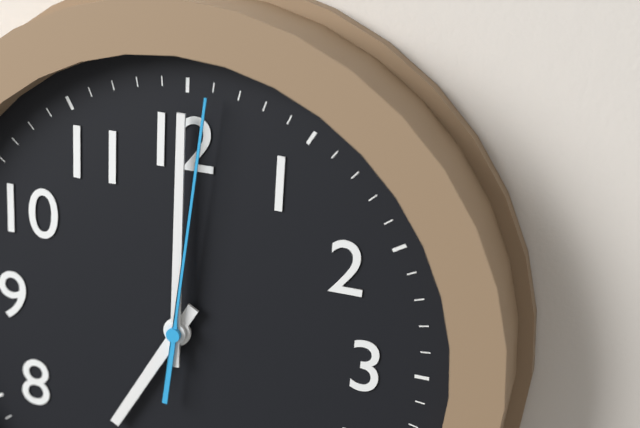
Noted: {"hour": 7, "minute": 0, "second": 1}
